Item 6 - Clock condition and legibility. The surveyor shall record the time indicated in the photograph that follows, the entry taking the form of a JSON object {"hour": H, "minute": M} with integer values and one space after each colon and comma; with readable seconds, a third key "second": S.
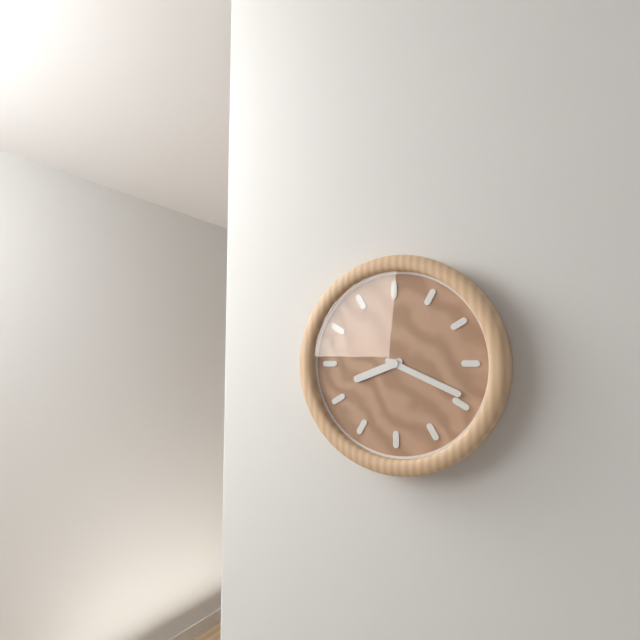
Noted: {"hour": 8, "minute": 19}
